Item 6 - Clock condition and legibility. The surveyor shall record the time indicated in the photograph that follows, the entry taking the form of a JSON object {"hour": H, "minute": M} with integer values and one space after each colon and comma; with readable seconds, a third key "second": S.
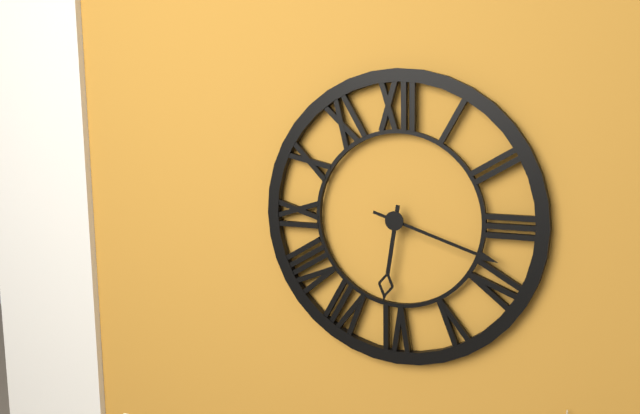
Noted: {"hour": 6, "minute": 18}
